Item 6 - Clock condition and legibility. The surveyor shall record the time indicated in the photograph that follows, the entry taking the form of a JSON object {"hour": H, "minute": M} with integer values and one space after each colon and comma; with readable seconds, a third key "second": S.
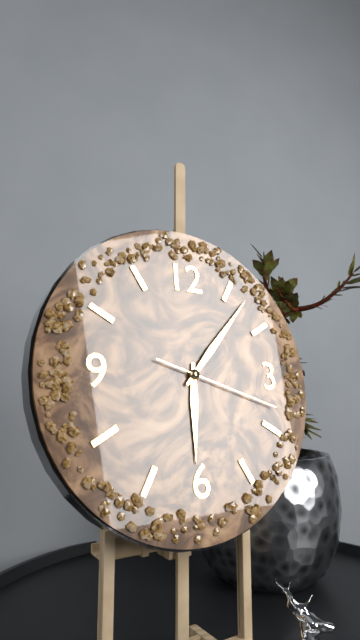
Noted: {"hour": 6, "minute": 7, "second": 18}
